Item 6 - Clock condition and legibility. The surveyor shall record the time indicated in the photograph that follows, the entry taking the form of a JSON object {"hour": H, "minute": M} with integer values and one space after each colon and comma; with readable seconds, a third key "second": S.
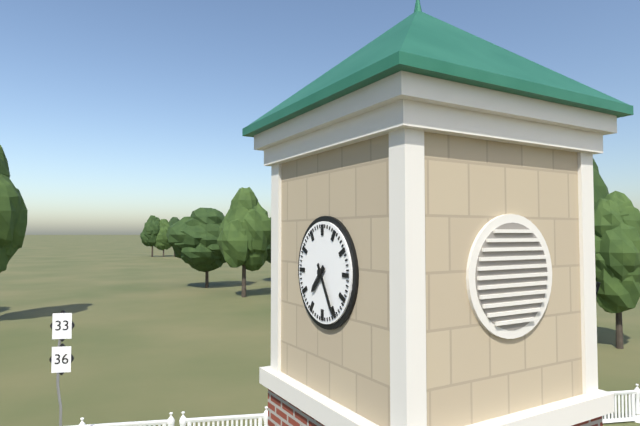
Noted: {"hour": 7, "minute": 25}
